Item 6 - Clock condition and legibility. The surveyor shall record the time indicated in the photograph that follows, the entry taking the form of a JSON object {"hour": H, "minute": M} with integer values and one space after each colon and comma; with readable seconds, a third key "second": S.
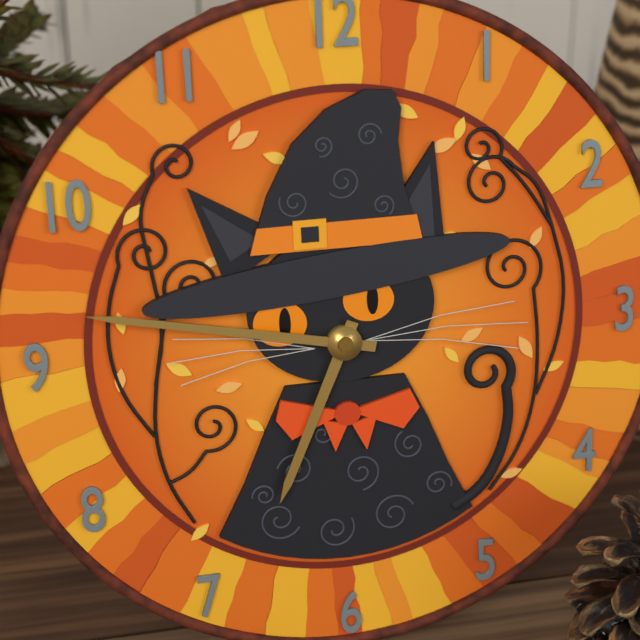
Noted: {"hour": 6, "minute": 47}
